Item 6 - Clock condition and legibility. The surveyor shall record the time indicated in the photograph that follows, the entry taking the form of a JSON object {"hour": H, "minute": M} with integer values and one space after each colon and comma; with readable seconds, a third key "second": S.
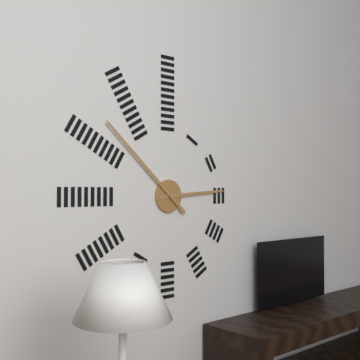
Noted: {"hour": 2, "minute": 52}
